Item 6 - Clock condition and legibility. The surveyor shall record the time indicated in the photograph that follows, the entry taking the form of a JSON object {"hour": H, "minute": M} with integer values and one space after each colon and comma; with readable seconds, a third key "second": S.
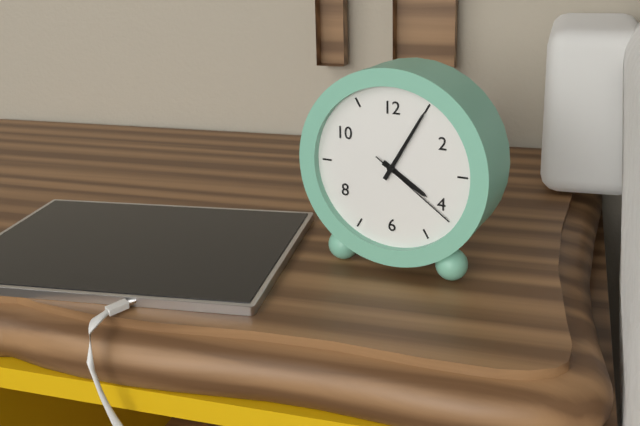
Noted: {"hour": 4, "minute": 5, "second": 21}
